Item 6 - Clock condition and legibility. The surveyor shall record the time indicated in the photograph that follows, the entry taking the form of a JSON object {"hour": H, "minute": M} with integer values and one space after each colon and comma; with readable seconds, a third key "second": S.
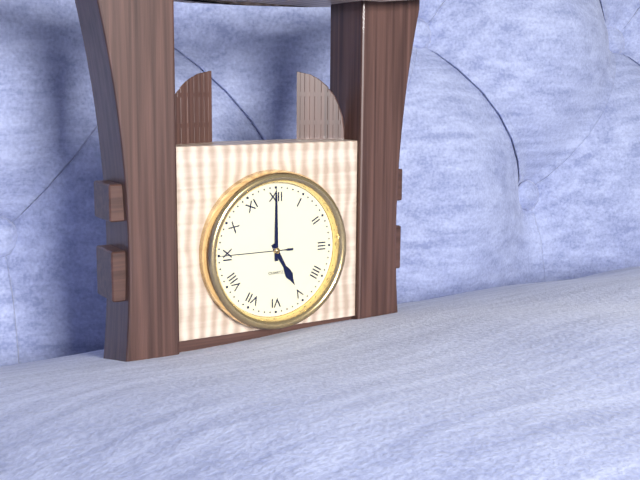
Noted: {"hour": 5, "minute": 0, "second": 45}
